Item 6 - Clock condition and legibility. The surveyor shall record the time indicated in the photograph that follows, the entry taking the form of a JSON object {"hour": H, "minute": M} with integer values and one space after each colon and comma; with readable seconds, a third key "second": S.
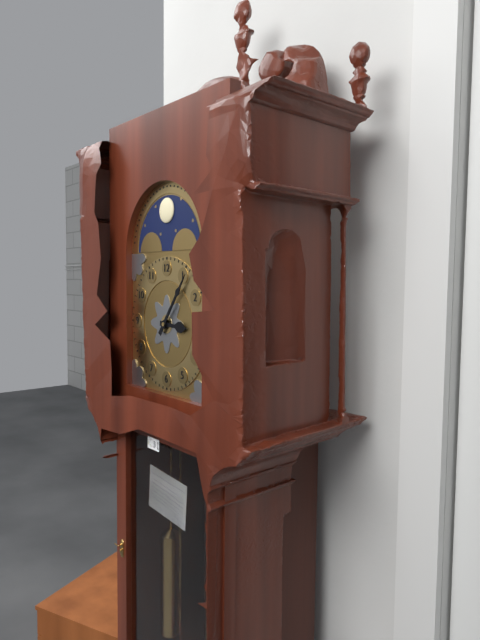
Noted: {"hour": 3, "minute": 6}
